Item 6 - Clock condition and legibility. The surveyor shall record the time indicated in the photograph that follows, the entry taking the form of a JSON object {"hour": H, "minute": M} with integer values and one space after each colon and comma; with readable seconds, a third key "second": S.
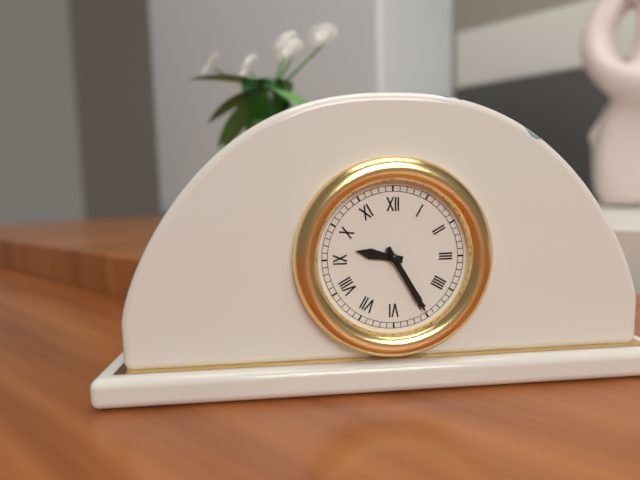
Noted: {"hour": 9, "minute": 25}
